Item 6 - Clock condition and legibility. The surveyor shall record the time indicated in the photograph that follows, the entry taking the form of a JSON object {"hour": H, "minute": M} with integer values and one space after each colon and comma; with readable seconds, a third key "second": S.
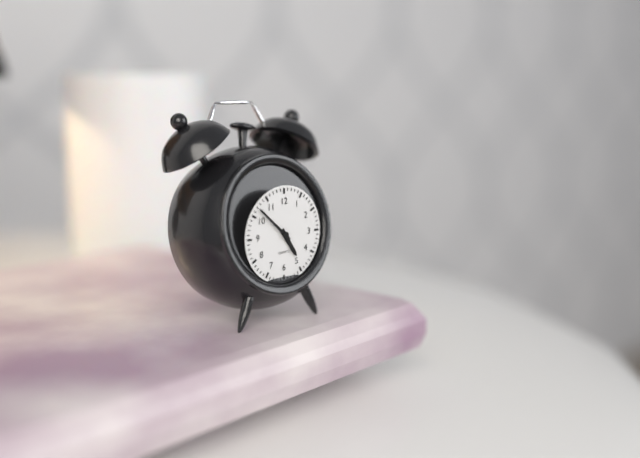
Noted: {"hour": 4, "minute": 52}
